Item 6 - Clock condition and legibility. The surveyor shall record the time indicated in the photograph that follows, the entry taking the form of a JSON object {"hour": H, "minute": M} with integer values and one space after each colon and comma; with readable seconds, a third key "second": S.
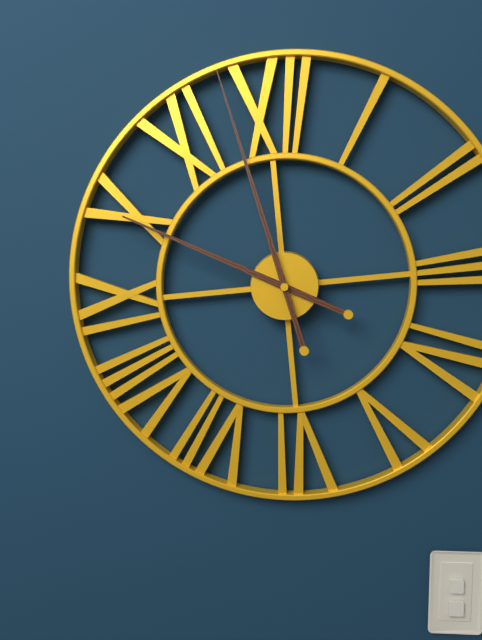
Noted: {"hour": 9, "minute": 58}
